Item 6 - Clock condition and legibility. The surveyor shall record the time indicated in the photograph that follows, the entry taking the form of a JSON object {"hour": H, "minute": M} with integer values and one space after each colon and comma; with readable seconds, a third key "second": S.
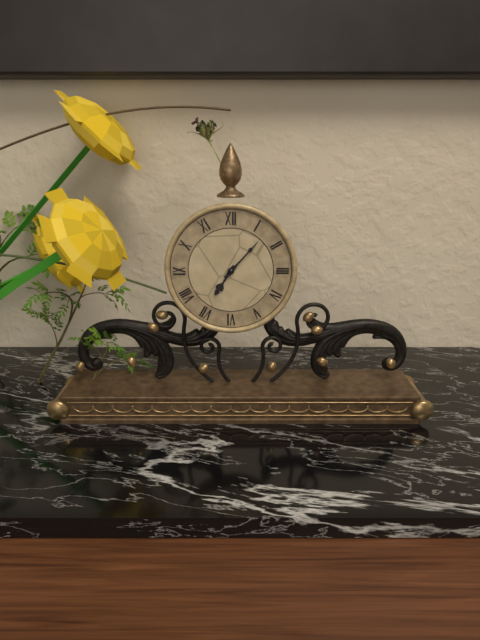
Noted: {"hour": 7, "minute": 7}
